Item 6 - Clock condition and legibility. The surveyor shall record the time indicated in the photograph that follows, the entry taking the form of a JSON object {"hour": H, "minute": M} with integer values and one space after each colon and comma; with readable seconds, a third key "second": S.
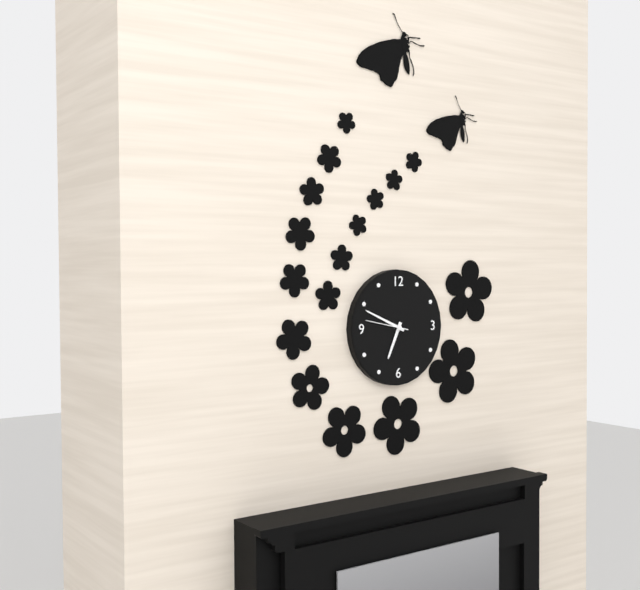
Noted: {"hour": 6, "minute": 49}
